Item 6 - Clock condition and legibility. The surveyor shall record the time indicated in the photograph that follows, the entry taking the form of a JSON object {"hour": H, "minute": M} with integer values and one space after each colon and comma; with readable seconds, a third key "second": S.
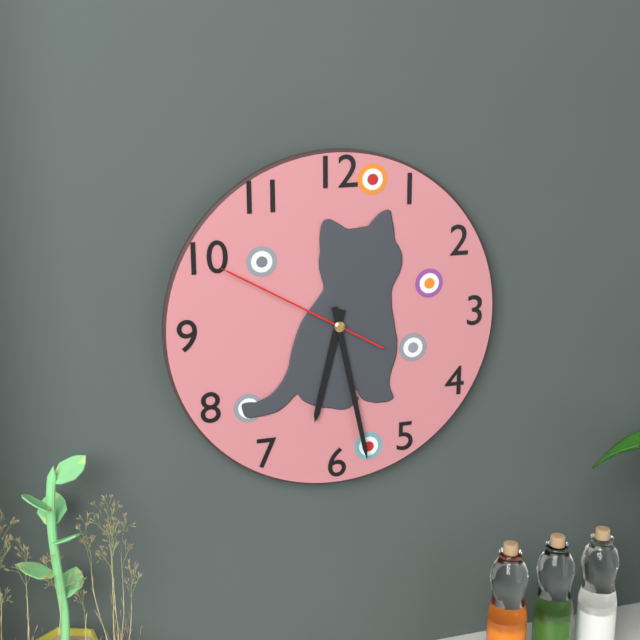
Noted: {"hour": 6, "minute": 28, "second": 50}
